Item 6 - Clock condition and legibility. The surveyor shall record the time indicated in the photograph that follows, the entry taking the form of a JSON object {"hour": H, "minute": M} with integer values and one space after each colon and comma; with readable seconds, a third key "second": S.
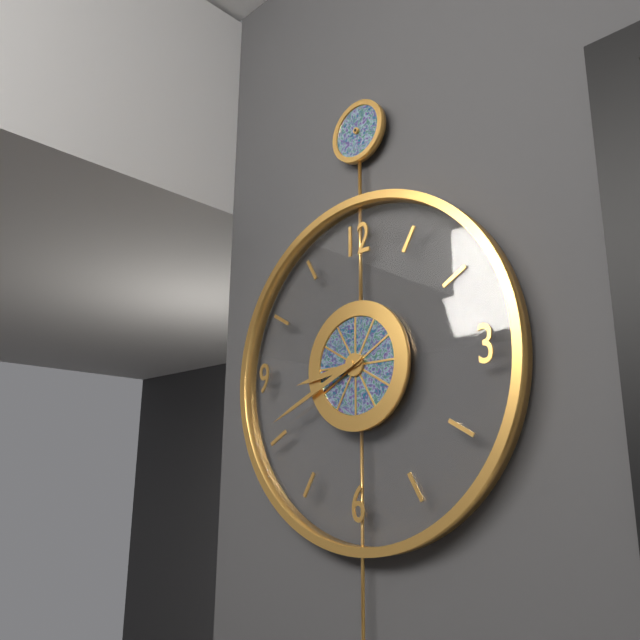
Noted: {"hour": 8, "minute": 41}
